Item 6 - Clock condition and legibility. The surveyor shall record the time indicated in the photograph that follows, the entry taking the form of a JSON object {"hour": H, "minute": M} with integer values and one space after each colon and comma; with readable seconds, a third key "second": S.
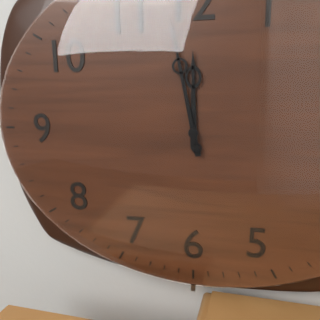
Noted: {"hour": 11, "minute": 58}
